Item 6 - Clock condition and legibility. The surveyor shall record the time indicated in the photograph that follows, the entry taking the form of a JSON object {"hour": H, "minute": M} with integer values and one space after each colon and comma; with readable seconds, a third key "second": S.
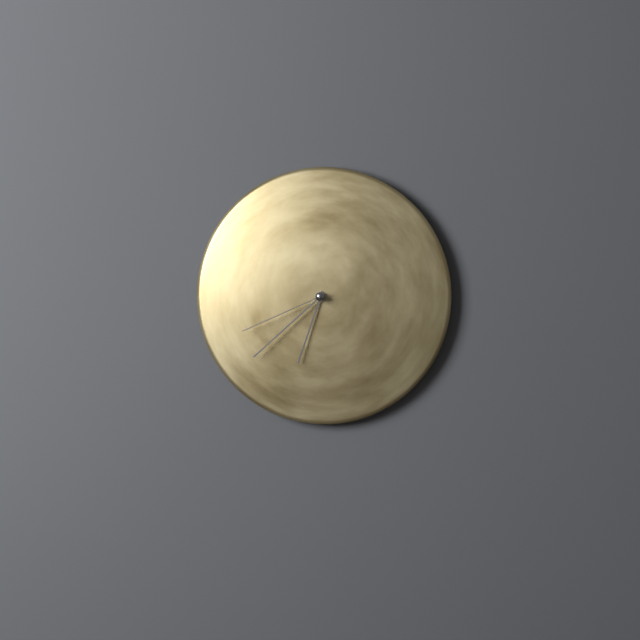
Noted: {"hour": 6, "minute": 38, "second": 41}
